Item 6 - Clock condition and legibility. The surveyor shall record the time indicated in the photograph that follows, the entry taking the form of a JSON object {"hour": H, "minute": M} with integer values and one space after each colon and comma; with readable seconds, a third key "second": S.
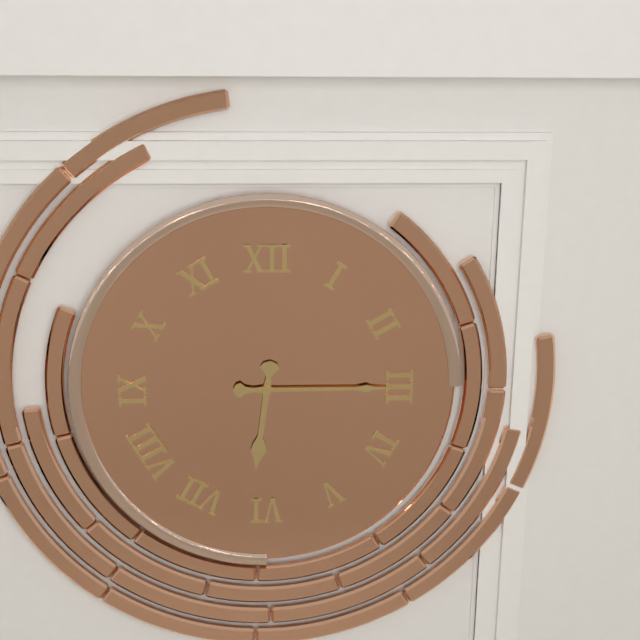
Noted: {"hour": 6, "minute": 15}
